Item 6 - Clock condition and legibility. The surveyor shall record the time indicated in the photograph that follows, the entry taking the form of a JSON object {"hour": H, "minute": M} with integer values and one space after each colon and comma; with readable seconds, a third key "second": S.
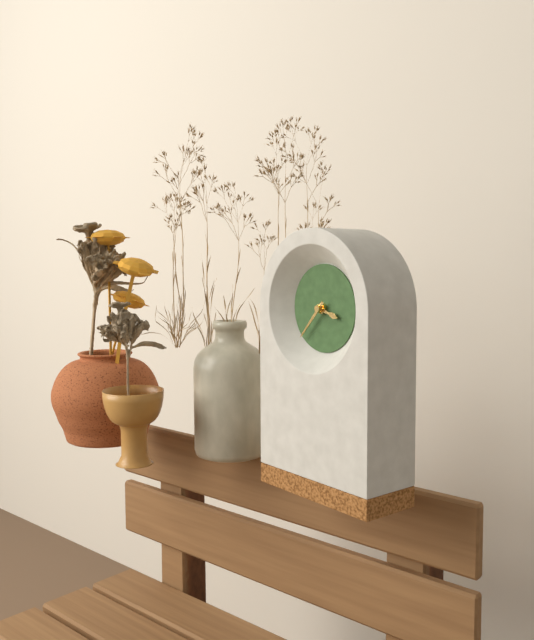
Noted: {"hour": 3, "minute": 37}
